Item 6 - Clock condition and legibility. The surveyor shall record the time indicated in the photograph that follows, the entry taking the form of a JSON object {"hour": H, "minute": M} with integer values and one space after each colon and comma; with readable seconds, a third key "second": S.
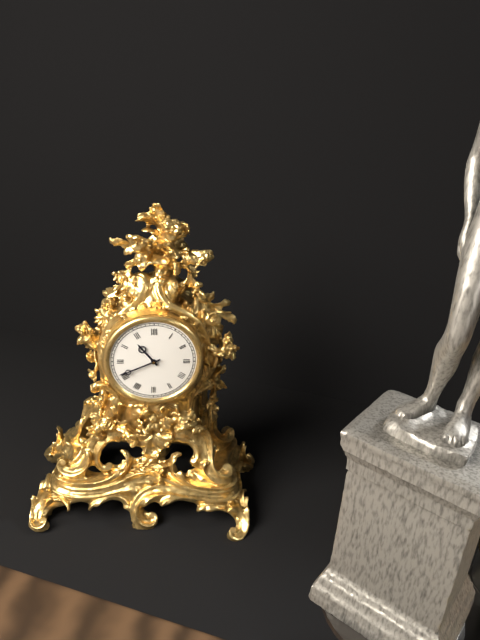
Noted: {"hour": 10, "minute": 41}
